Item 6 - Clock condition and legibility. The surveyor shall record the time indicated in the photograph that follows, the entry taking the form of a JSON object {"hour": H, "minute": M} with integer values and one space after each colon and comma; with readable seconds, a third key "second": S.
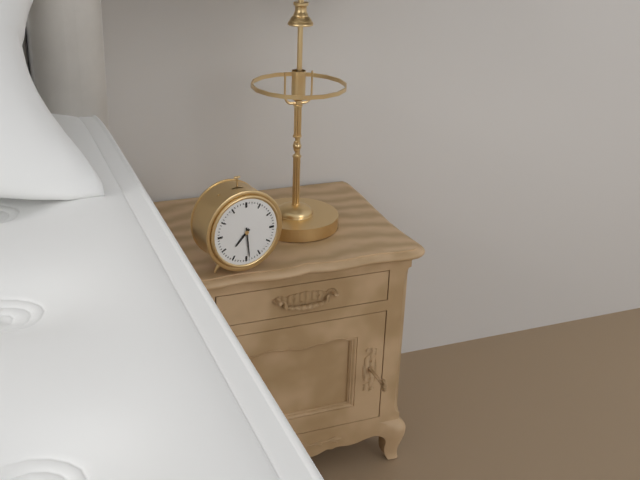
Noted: {"hour": 7, "minute": 29}
